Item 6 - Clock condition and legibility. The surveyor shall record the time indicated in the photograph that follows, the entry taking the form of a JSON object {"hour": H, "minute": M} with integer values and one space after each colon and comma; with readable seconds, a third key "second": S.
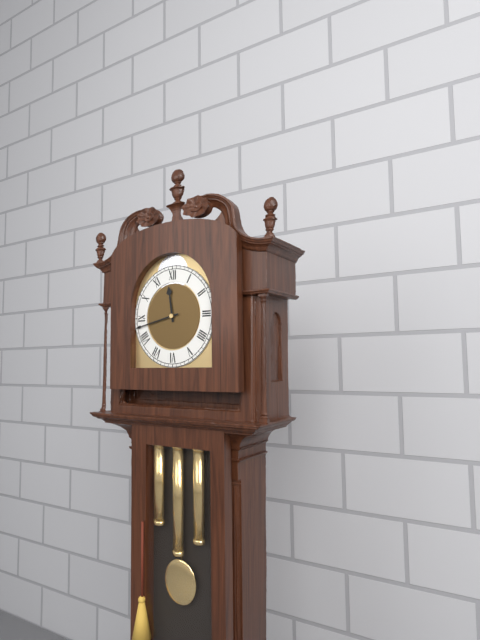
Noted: {"hour": 11, "minute": 43}
